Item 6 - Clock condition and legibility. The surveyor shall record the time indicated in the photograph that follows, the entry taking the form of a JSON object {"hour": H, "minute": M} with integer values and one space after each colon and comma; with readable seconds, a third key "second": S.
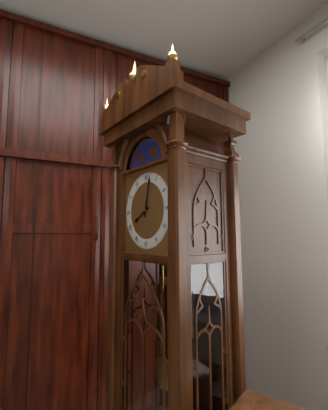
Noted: {"hour": 8, "minute": 2}
